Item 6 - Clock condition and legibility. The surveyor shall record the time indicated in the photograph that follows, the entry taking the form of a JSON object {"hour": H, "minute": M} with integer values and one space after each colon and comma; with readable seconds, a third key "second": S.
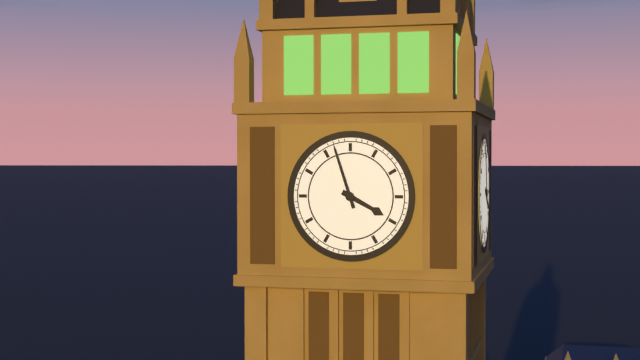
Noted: {"hour": 3, "minute": 57}
